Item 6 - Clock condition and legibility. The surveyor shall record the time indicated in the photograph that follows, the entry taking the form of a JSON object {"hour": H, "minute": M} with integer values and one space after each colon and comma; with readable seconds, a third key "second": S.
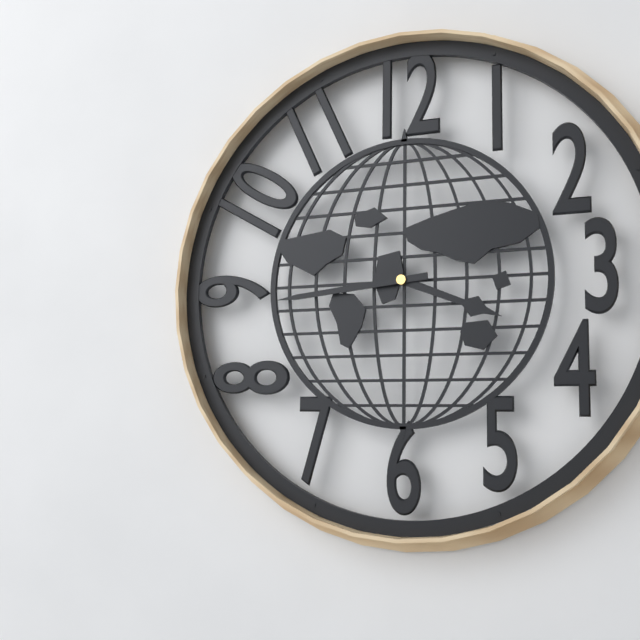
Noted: {"hour": 3, "minute": 44}
